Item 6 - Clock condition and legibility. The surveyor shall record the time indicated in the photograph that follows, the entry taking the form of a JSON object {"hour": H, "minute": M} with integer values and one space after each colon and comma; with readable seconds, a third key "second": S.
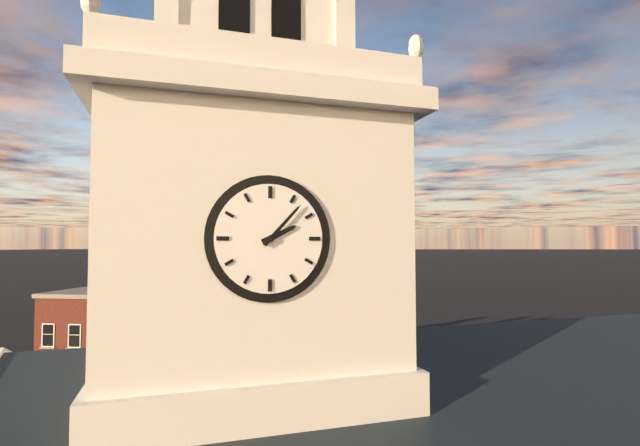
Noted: {"hour": 2, "minute": 7}
